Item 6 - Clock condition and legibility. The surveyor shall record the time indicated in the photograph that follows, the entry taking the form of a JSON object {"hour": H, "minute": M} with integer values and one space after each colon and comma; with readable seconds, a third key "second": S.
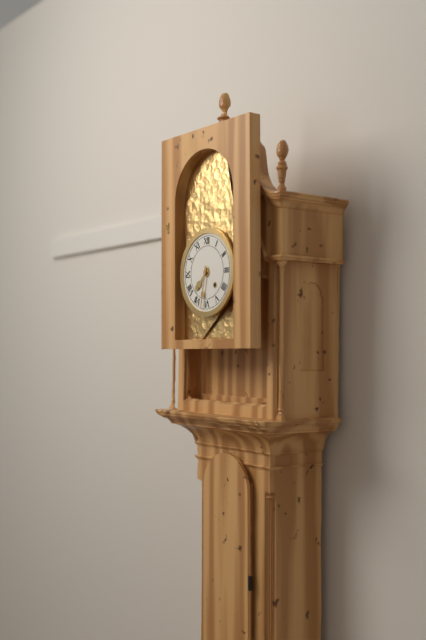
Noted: {"hour": 7, "minute": 32}
